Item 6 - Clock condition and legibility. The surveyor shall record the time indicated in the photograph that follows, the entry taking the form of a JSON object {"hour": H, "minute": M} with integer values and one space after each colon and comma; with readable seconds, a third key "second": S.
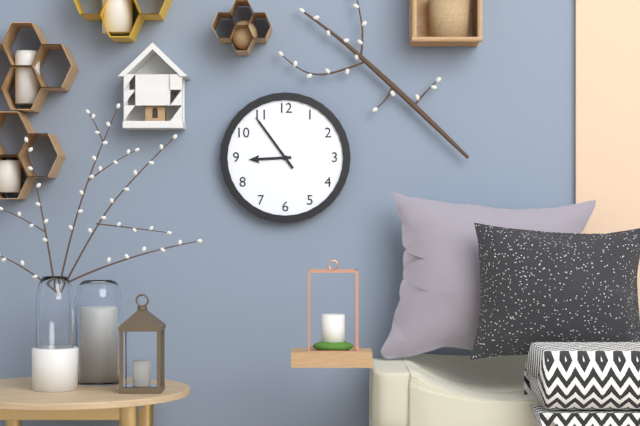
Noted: {"hour": 8, "minute": 54}
